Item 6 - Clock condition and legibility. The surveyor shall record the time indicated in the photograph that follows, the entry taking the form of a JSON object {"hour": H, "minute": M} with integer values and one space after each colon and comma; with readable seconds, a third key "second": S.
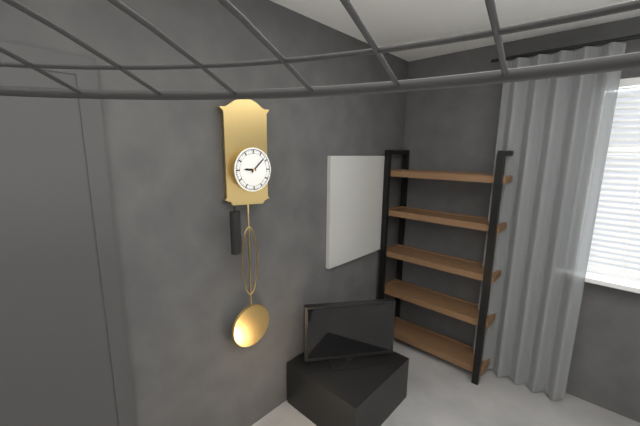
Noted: {"hour": 9, "minute": 8}
